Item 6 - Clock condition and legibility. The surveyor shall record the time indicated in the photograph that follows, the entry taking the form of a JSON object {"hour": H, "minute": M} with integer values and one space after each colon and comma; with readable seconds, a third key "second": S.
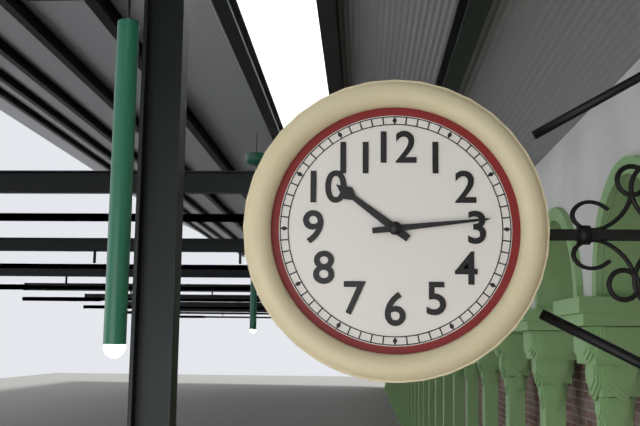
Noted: {"hour": 10, "minute": 14}
